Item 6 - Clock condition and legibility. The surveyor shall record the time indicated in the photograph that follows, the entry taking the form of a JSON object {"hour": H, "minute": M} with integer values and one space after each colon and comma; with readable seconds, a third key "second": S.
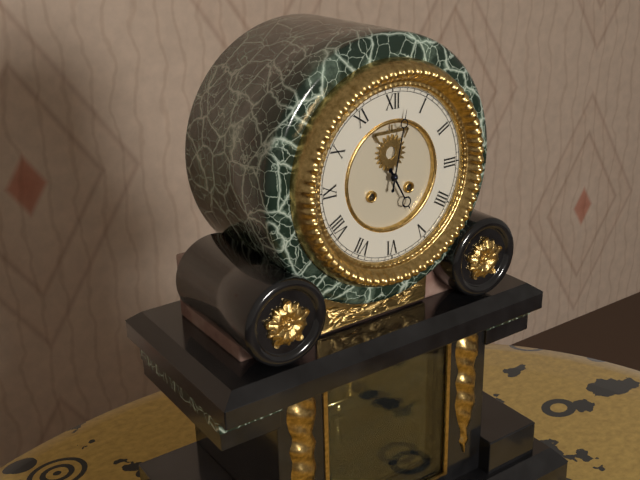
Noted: {"hour": 5, "minute": 2}
